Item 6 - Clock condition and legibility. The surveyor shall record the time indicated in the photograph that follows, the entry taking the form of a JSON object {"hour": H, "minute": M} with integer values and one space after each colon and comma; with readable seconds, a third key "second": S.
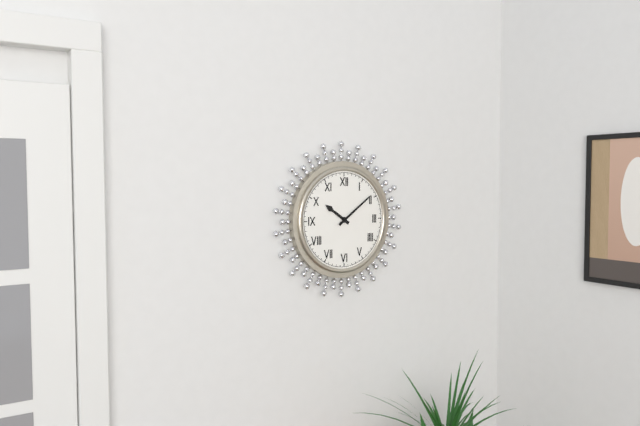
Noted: {"hour": 10, "minute": 9}
